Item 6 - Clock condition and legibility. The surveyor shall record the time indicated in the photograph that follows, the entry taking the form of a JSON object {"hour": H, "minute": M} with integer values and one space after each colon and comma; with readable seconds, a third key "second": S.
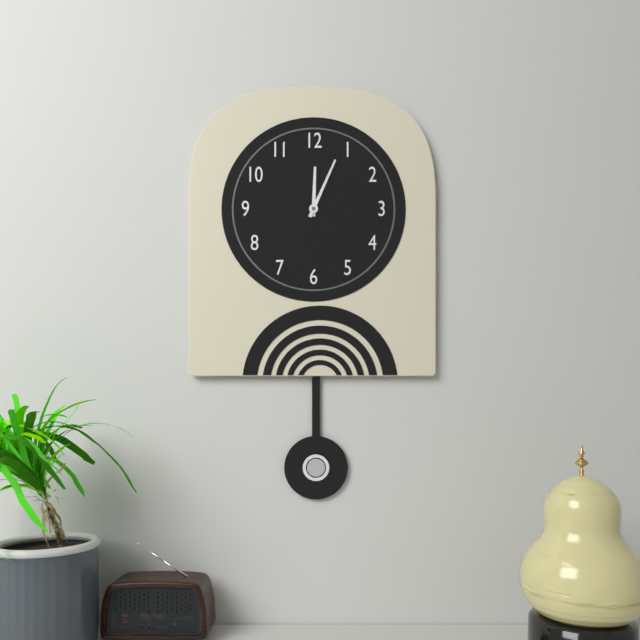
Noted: {"hour": 12, "minute": 4}
